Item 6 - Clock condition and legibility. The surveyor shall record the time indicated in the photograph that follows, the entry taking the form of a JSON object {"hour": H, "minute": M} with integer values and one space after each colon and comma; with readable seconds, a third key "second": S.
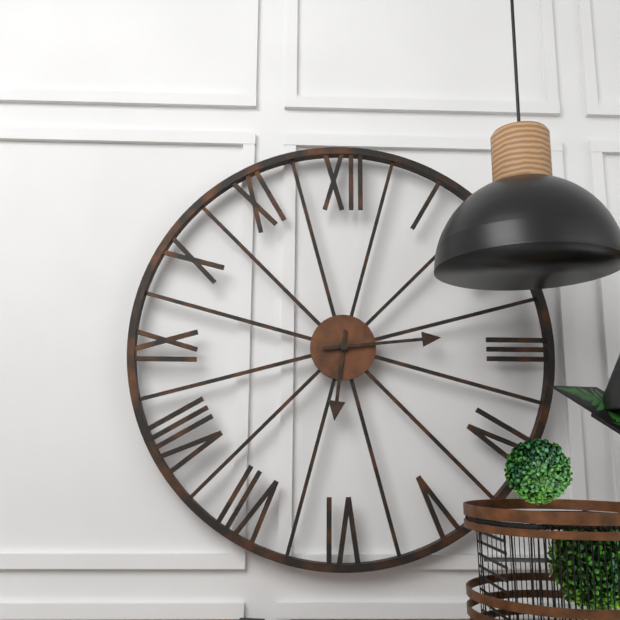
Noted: {"hour": 6, "minute": 14}
